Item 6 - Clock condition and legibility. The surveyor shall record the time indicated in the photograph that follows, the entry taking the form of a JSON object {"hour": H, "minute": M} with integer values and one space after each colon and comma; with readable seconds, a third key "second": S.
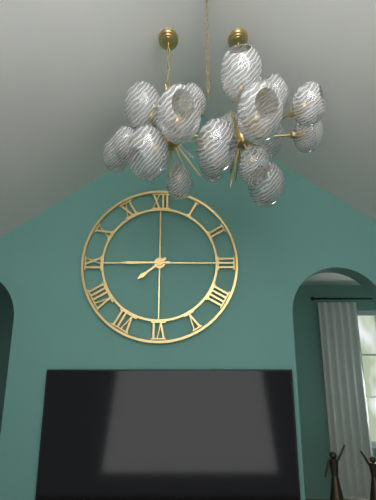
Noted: {"hour": 7, "minute": 45}
